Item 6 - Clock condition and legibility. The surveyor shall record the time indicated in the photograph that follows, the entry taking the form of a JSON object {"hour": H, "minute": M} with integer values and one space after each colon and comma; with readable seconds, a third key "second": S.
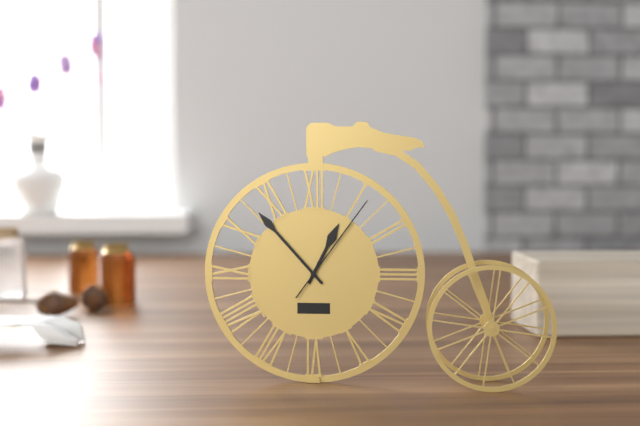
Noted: {"hour": 12, "minute": 53, "second": 6}
